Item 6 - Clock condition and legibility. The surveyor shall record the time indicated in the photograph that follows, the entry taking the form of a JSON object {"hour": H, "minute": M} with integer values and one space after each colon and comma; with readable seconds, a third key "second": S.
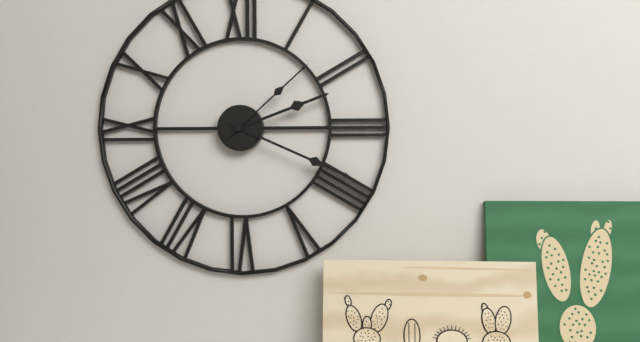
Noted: {"hour": 2, "minute": 19, "second": 8}
